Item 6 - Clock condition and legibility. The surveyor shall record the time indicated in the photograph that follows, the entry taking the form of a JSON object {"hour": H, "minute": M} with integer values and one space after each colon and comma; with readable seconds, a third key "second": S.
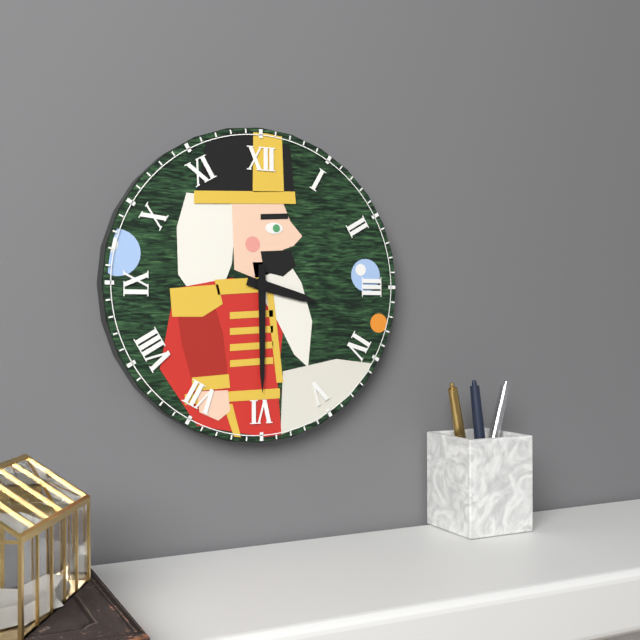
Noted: {"hour": 3, "minute": 30}
